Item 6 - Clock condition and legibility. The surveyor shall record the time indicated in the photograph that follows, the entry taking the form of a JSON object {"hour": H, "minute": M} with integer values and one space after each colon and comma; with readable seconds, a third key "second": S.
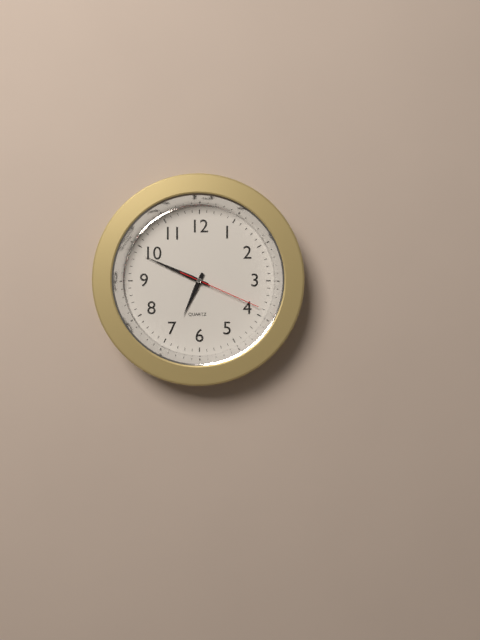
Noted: {"hour": 6, "minute": 49, "second": 19}
